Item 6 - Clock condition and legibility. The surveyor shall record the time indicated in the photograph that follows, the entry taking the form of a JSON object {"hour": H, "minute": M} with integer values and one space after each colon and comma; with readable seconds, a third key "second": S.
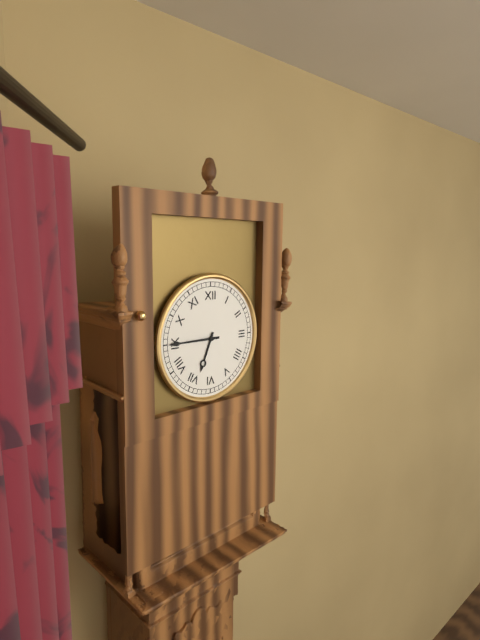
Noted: {"hour": 6, "minute": 45}
